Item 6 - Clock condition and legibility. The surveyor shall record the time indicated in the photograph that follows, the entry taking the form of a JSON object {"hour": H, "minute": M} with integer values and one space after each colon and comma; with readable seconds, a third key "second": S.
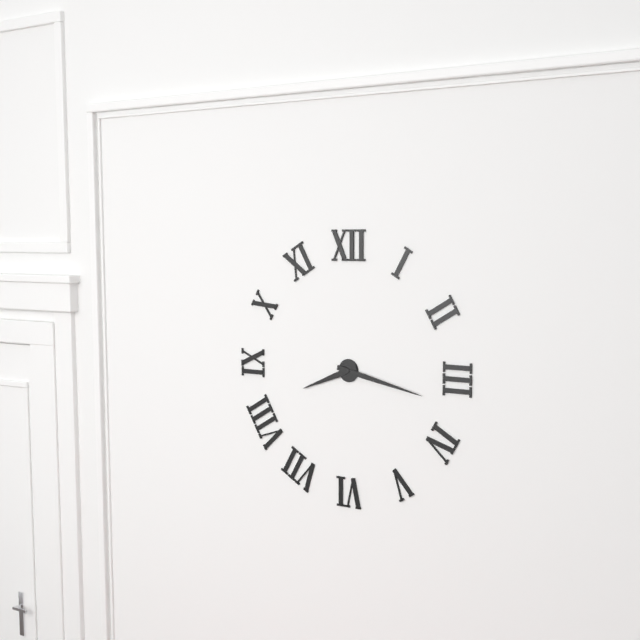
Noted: {"hour": 8, "minute": 17}
